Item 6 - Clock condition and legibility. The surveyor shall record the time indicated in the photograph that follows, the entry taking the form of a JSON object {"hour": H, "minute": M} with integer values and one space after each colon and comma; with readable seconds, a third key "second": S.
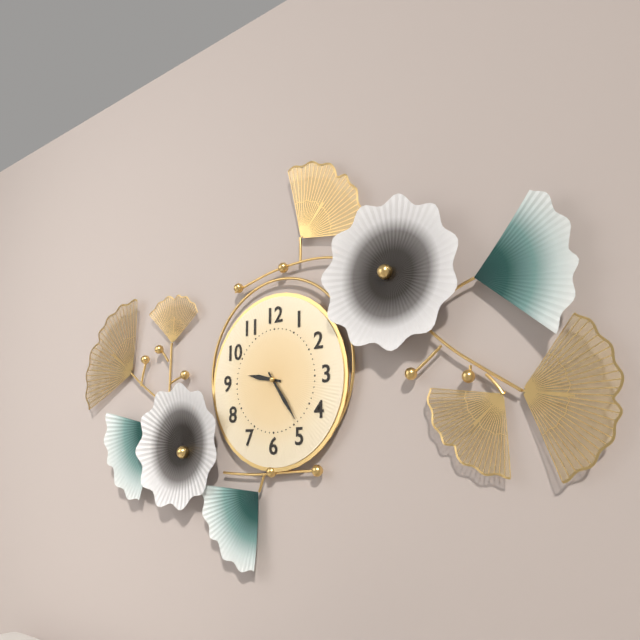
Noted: {"hour": 9, "minute": 24}
